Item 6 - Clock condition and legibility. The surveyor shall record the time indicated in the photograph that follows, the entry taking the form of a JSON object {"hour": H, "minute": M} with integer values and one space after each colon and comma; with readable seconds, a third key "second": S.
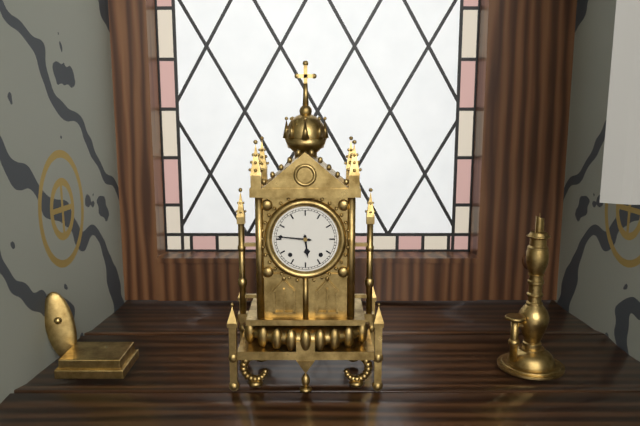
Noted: {"hour": 5, "minute": 46}
